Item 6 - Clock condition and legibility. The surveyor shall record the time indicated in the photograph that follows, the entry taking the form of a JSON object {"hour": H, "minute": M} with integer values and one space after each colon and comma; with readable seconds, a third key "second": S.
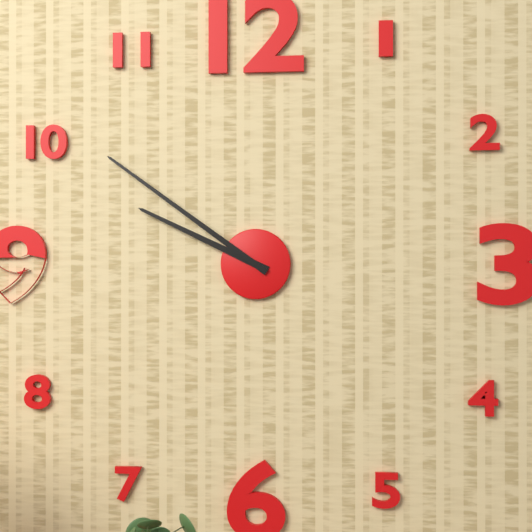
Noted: {"hour": 9, "minute": 51}
